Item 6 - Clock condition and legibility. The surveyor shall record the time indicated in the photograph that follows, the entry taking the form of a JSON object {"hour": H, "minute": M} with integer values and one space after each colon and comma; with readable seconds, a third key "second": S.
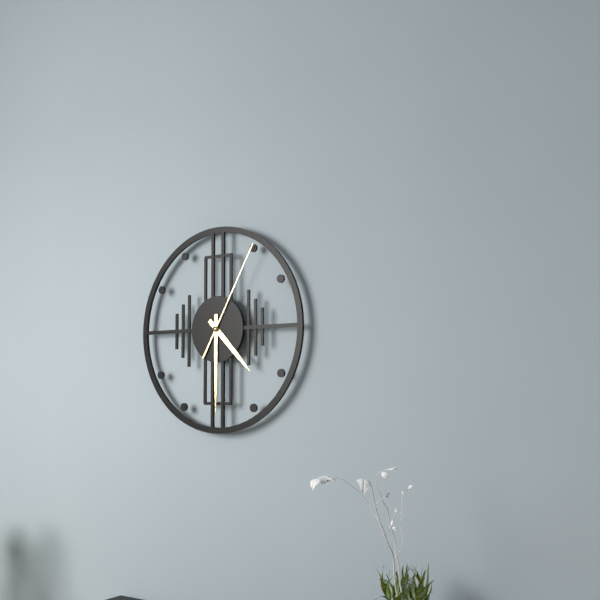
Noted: {"hour": 4, "minute": 30, "second": 5}
